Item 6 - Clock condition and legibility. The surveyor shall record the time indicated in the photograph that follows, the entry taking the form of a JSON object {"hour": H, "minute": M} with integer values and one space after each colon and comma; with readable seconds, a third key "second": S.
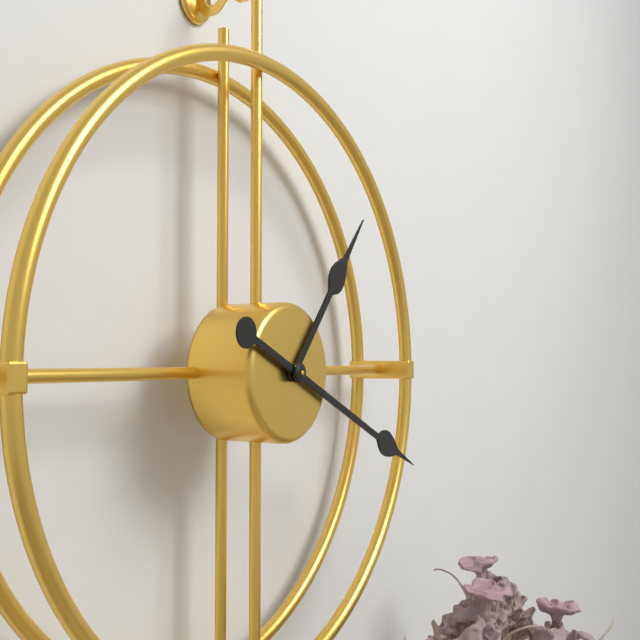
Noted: {"hour": 1, "minute": 19}
